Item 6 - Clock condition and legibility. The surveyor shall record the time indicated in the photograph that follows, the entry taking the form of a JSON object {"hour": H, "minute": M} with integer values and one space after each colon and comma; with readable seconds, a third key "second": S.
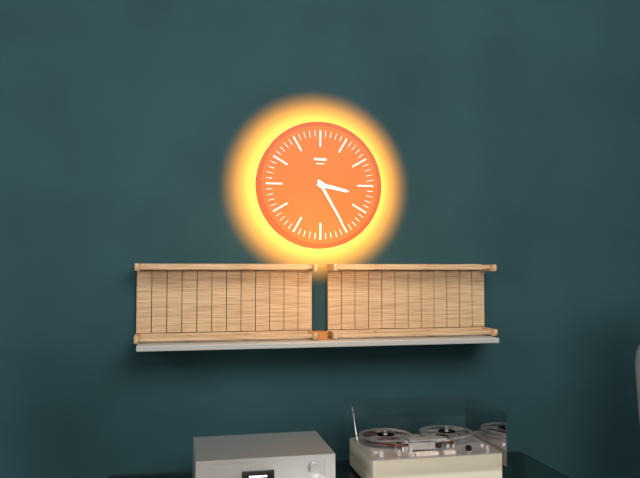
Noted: {"hour": 3, "minute": 25}
